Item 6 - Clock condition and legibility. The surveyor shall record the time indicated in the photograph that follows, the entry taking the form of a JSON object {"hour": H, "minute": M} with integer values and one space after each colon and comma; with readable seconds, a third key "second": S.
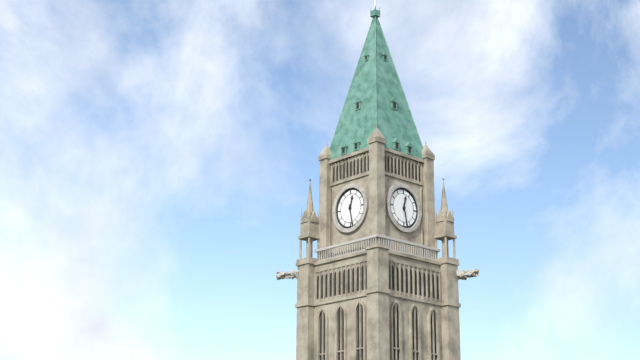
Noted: {"hour": 12, "minute": 28}
